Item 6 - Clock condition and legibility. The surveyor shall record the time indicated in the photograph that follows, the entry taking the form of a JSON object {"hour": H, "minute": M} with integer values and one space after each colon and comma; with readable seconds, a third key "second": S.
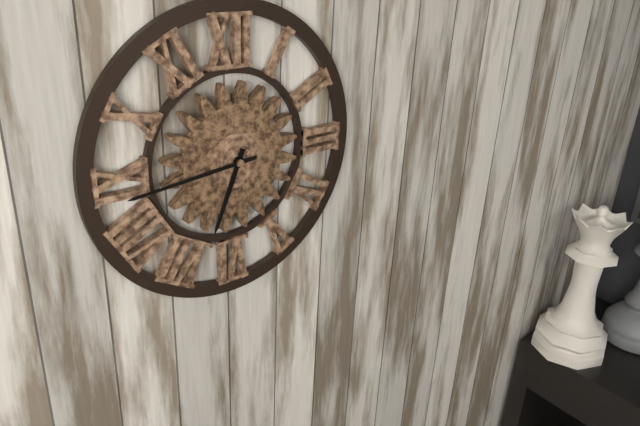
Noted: {"hour": 6, "minute": 44}
